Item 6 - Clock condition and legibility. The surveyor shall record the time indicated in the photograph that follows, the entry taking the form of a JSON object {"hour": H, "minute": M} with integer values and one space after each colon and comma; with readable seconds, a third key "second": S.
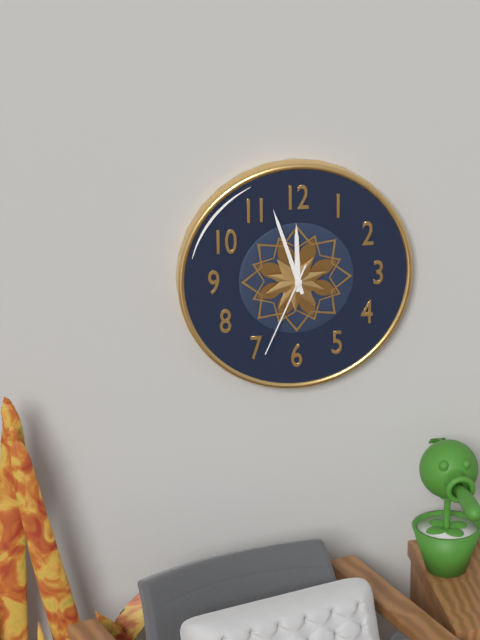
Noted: {"hour": 11, "minute": 57, "second": 34}
